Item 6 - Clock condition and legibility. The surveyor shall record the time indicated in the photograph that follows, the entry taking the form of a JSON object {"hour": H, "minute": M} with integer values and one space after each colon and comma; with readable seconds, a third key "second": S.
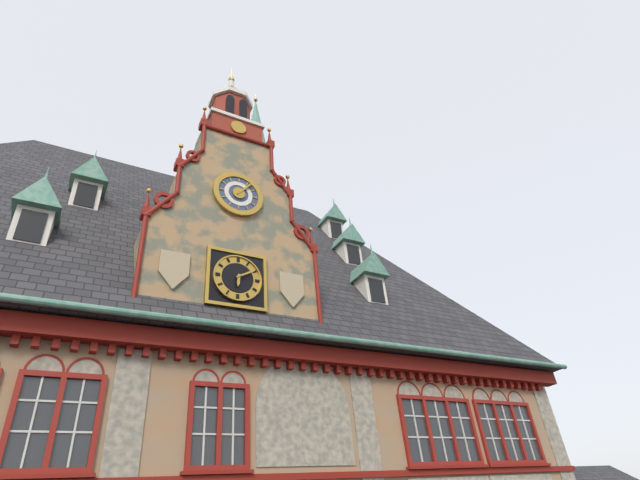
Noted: {"hour": 6, "minute": 10}
